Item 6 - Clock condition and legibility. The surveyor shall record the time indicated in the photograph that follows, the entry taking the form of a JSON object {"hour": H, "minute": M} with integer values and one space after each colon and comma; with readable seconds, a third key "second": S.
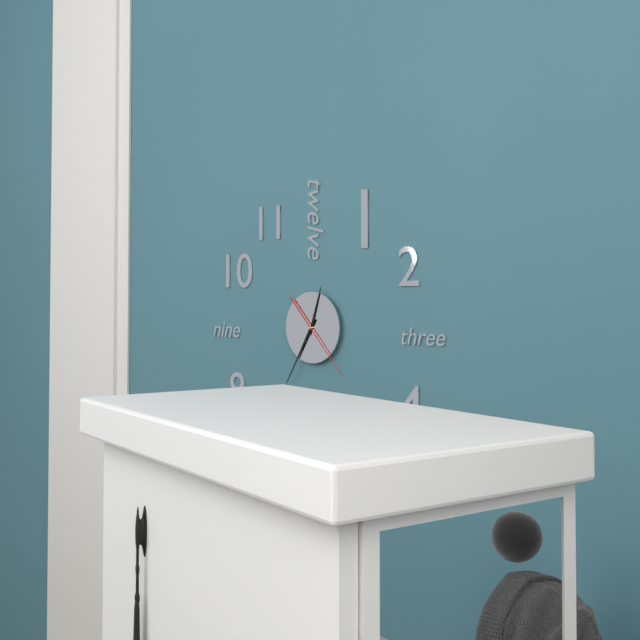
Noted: {"hour": 12, "minute": 35, "second": 23}
